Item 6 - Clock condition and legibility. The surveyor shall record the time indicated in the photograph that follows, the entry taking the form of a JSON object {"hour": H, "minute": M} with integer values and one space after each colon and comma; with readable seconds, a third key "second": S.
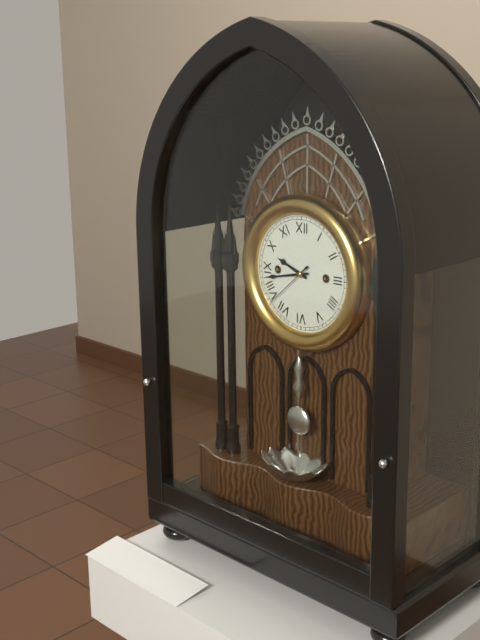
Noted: {"hour": 9, "minute": 43, "second": 38}
